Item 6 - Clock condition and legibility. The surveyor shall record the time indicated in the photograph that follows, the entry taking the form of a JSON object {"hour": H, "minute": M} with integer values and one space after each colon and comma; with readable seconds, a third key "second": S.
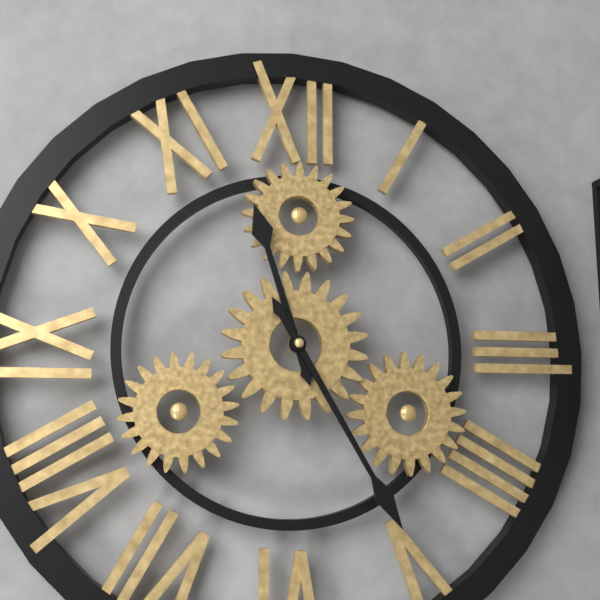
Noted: {"hour": 11, "minute": 25}
